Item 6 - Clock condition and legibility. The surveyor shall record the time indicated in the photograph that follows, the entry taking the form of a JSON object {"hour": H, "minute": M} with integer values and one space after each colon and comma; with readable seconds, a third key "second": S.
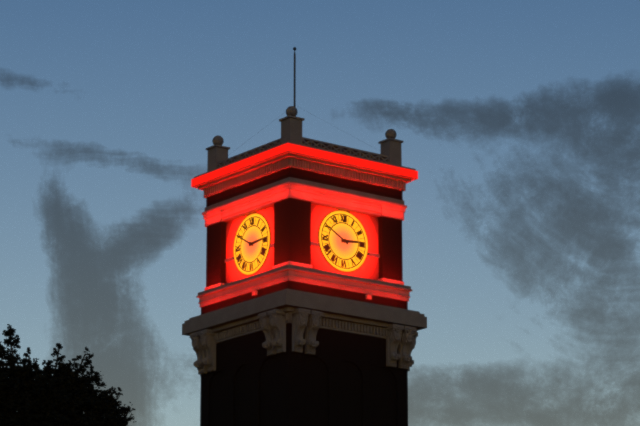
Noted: {"hour": 2, "minute": 50}
